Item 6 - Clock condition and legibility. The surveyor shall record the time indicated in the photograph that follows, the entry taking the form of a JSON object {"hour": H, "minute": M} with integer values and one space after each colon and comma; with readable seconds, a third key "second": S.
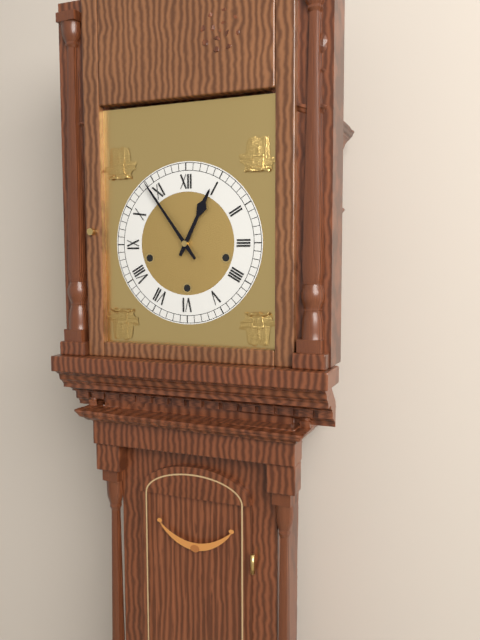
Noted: {"hour": 12, "minute": 54}
